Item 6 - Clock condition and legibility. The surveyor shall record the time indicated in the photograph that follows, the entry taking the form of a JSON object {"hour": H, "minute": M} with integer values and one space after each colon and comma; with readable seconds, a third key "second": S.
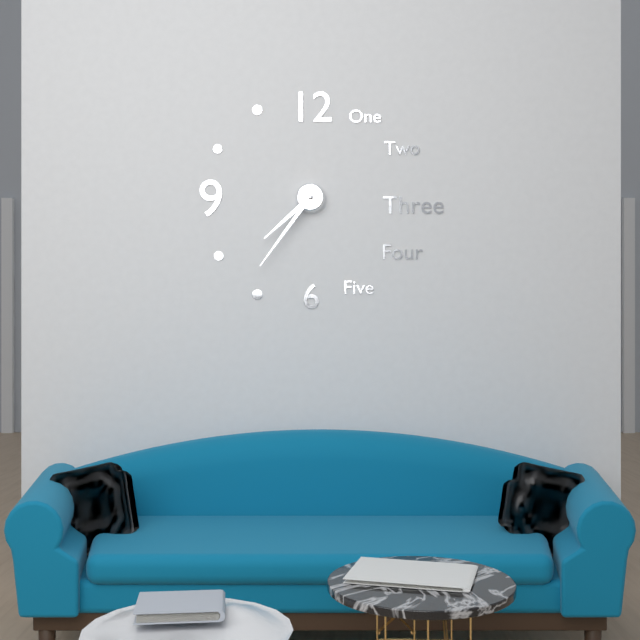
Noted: {"hour": 7, "minute": 36}
